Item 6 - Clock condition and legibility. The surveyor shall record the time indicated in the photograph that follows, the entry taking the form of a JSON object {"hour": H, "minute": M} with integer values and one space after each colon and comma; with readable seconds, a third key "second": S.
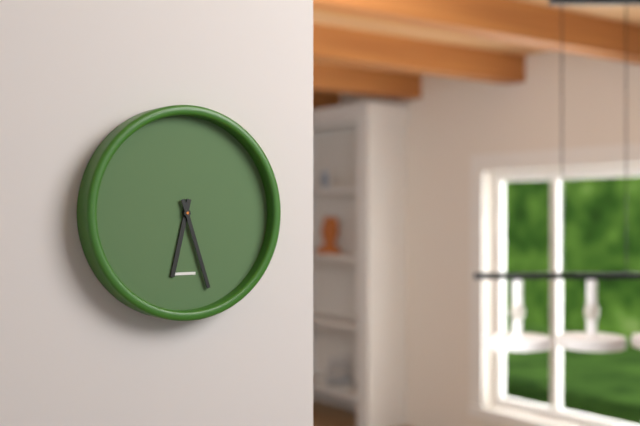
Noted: {"hour": 6, "minute": 27}
